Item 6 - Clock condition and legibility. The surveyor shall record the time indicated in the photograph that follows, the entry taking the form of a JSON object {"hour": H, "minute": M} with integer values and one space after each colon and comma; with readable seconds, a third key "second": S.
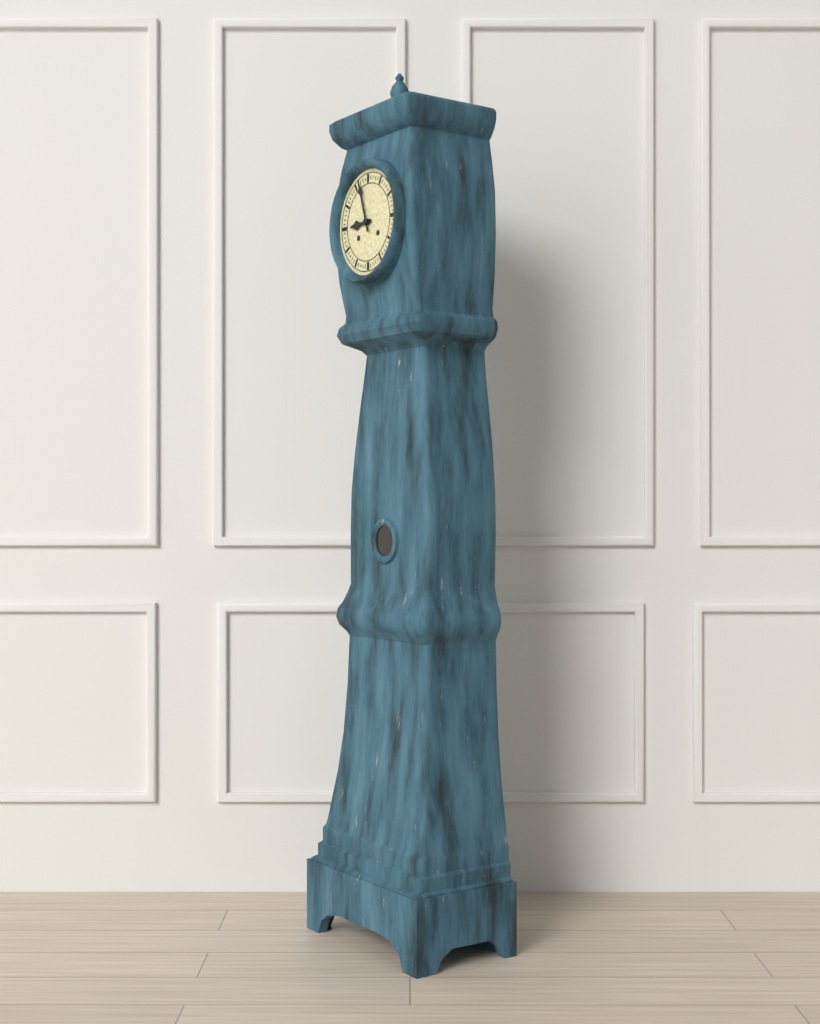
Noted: {"hour": 8, "minute": 57}
